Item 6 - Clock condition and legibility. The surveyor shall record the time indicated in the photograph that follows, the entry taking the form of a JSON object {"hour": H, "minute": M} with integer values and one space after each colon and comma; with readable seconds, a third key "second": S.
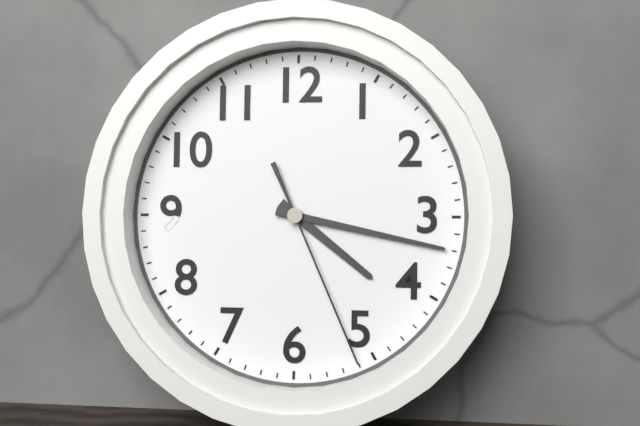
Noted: {"hour": 4, "minute": 17, "second": 26}
